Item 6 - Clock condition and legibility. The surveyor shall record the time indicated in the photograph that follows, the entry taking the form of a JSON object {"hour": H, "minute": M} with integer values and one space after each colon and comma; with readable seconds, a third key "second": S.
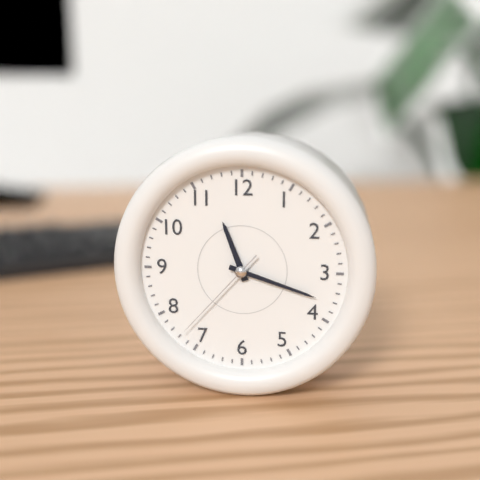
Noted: {"hour": 11, "minute": 18, "second": 37}
